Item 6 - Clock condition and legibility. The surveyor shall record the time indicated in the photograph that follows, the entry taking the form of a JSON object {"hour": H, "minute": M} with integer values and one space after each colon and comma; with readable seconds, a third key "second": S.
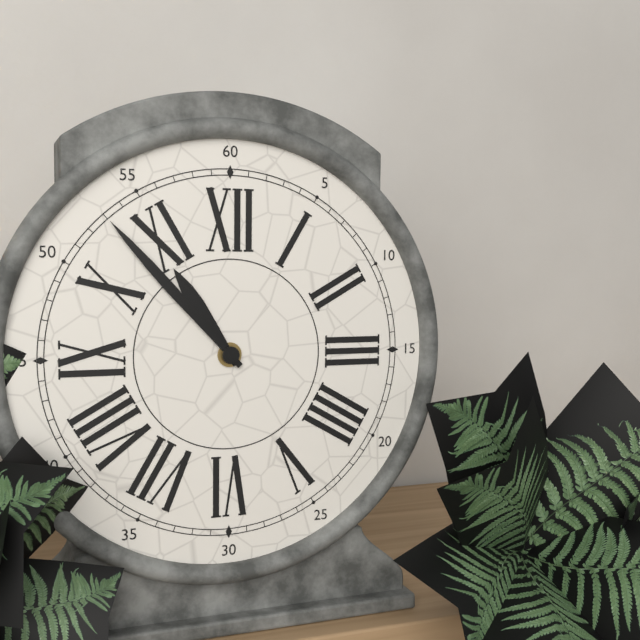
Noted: {"hour": 10, "minute": 53}
